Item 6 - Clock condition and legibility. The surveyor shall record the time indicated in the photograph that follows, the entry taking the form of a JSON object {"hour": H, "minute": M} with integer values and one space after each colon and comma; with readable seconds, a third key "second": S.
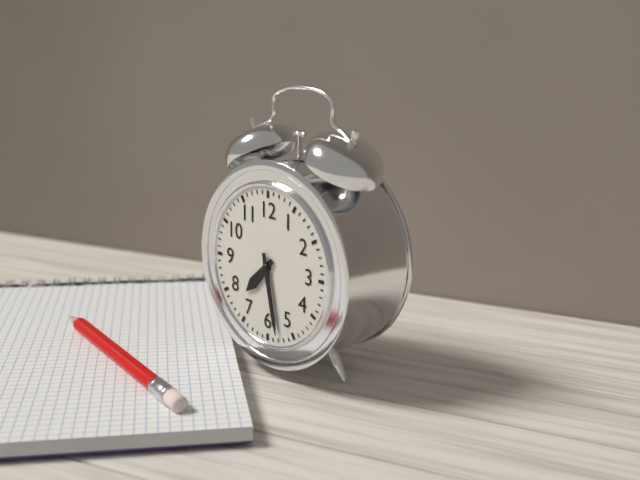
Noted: {"hour": 7, "minute": 28}
